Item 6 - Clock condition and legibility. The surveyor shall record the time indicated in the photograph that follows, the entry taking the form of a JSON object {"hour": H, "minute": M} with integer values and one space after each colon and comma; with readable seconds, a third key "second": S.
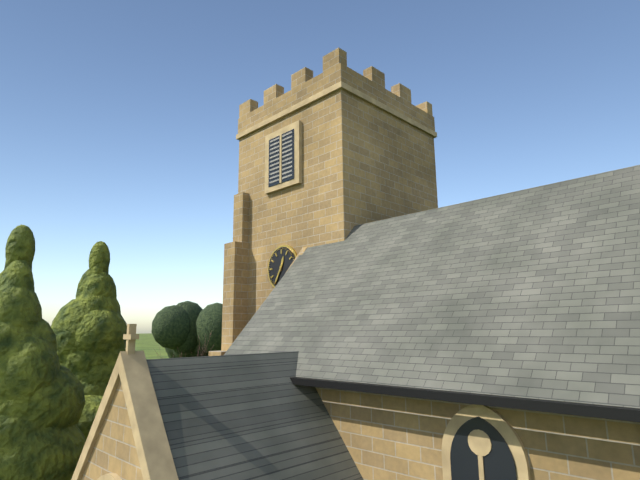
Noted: {"hour": 12, "minute": 35}
